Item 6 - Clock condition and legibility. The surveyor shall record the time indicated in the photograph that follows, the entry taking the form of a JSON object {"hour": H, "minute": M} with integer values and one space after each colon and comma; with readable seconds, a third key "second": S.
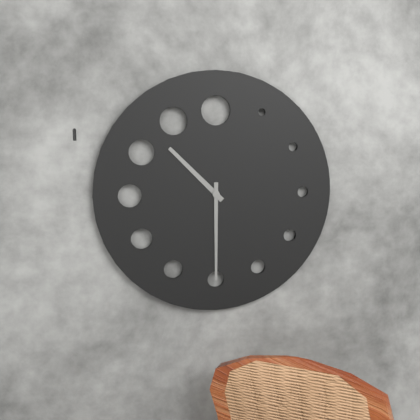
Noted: {"hour": 10, "minute": 30}
